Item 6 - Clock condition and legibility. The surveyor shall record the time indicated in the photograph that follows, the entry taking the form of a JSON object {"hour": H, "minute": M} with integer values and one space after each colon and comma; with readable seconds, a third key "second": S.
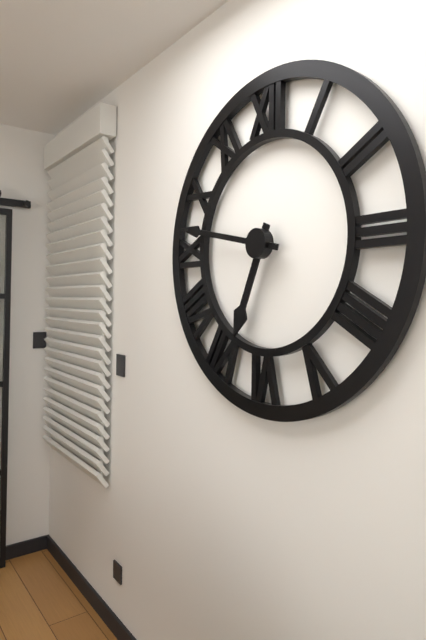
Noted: {"hour": 6, "minute": 47}
